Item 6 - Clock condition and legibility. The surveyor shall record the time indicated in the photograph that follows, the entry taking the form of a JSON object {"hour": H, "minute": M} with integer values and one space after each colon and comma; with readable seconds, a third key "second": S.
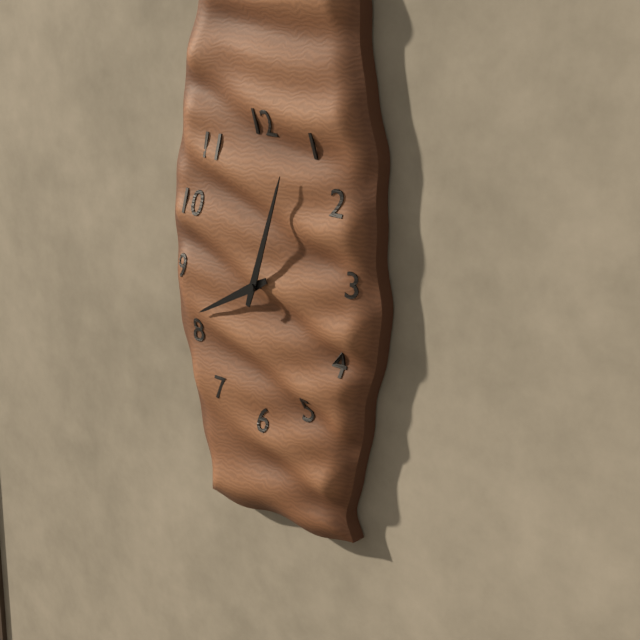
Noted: {"hour": 8, "minute": 3}
